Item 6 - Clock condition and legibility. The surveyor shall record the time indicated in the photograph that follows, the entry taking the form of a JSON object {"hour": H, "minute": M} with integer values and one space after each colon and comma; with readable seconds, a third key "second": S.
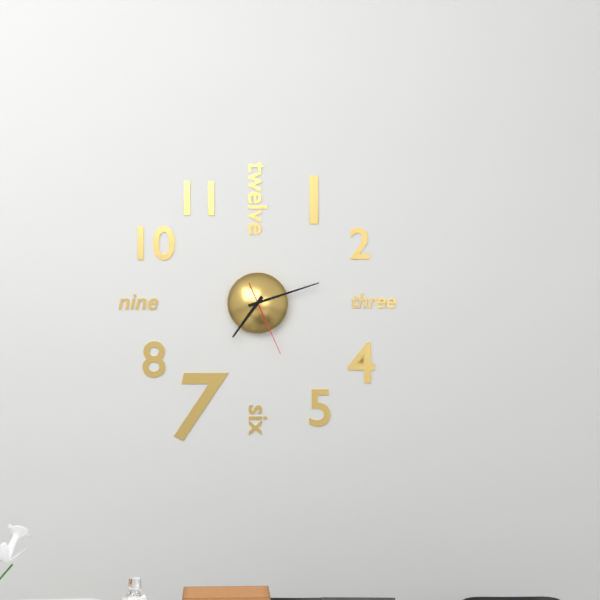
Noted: {"hour": 7, "minute": 12, "second": 26}
